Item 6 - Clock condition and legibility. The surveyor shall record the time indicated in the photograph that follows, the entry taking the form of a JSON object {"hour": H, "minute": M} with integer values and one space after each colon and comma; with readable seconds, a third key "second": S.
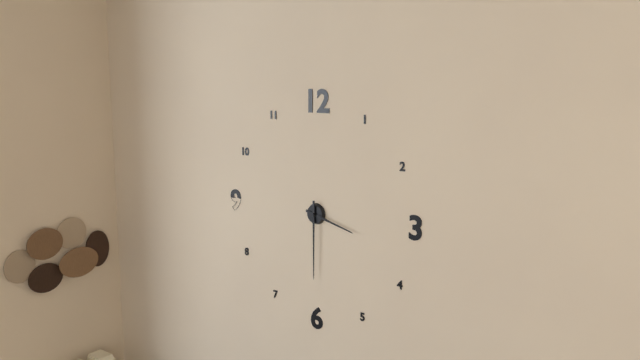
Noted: {"hour": 3, "minute": 30}
